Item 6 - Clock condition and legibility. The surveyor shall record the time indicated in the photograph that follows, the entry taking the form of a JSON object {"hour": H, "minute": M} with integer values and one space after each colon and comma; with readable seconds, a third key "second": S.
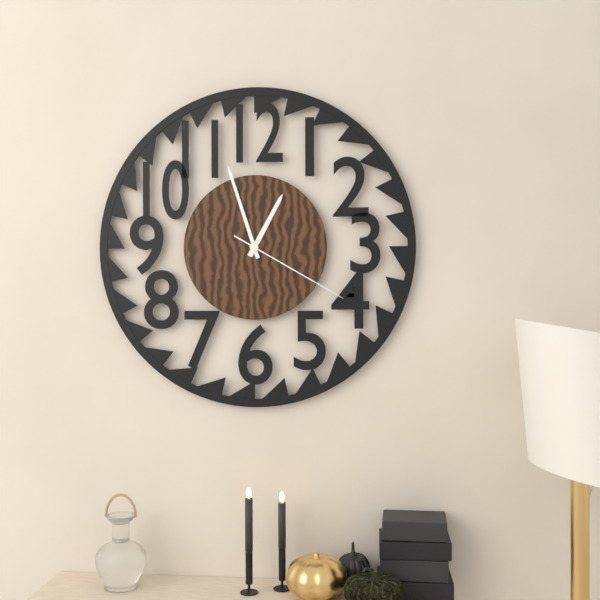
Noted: {"hour": 12, "minute": 57, "second": 20}
